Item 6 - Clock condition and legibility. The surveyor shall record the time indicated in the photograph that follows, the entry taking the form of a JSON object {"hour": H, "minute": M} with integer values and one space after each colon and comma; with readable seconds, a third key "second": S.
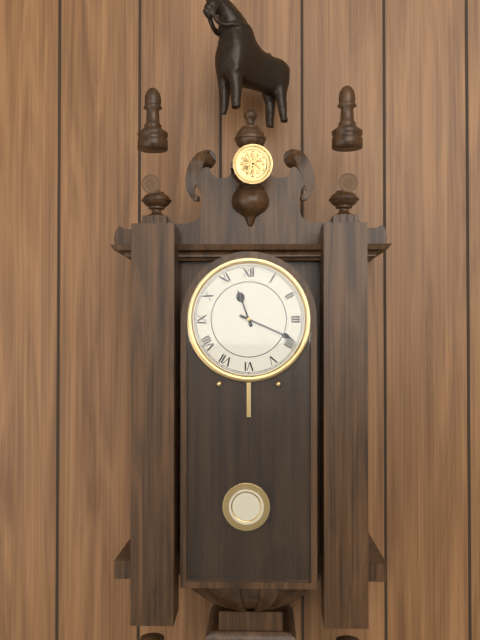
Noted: {"hour": 11, "minute": 19}
